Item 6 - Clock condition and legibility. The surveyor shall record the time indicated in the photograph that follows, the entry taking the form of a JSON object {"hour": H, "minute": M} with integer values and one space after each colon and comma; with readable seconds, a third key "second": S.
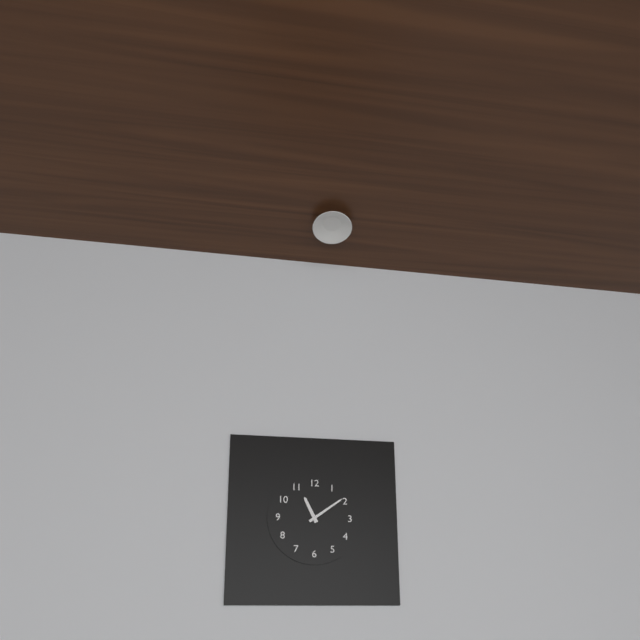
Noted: {"hour": 11, "minute": 9}
